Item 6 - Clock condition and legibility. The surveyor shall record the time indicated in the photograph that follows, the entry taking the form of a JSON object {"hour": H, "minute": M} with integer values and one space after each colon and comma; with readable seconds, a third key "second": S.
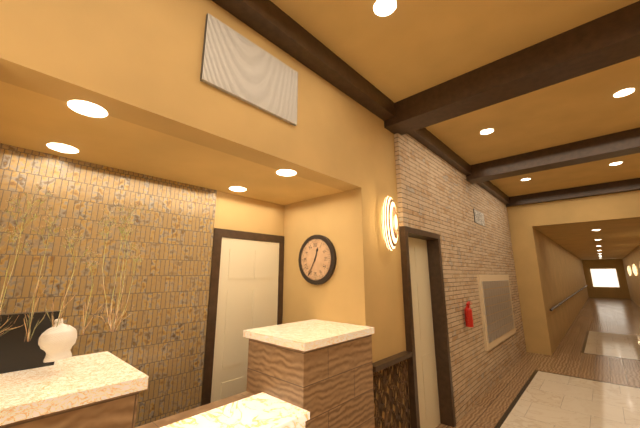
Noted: {"hour": 12, "minute": 35}
